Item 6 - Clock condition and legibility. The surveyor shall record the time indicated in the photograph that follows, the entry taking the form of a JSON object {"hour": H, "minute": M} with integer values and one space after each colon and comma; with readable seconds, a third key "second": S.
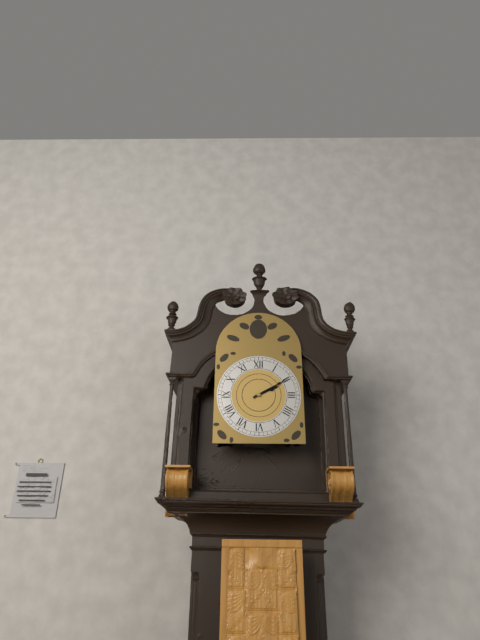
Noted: {"hour": 2, "minute": 10}
